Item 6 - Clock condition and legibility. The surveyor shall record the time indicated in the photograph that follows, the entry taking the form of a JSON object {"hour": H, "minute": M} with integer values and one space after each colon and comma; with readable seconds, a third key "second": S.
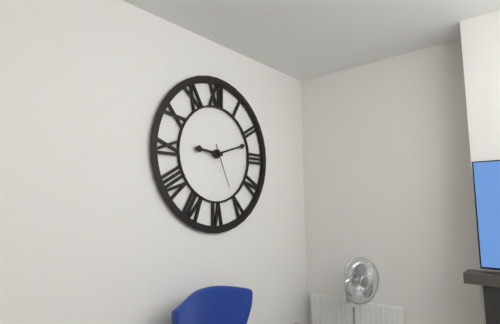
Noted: {"hour": 9, "minute": 12}
